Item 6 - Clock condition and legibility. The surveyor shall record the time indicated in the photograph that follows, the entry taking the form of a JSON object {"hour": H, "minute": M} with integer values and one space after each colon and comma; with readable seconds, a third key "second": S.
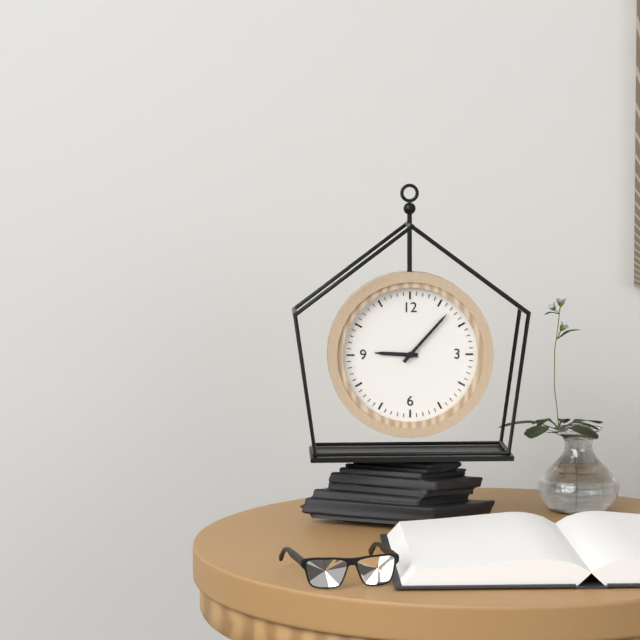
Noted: {"hour": 9, "minute": 7}
